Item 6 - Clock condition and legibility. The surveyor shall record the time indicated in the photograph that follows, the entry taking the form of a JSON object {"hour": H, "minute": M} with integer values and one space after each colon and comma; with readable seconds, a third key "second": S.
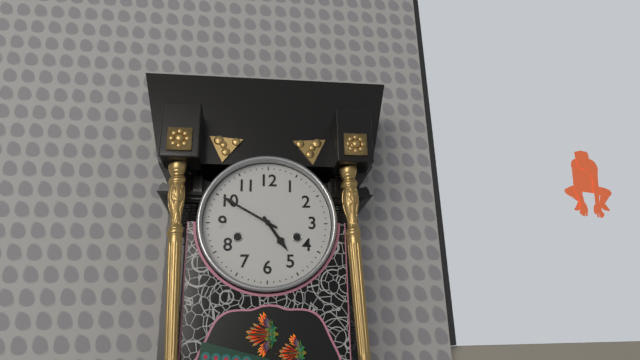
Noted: {"hour": 4, "minute": 50}
